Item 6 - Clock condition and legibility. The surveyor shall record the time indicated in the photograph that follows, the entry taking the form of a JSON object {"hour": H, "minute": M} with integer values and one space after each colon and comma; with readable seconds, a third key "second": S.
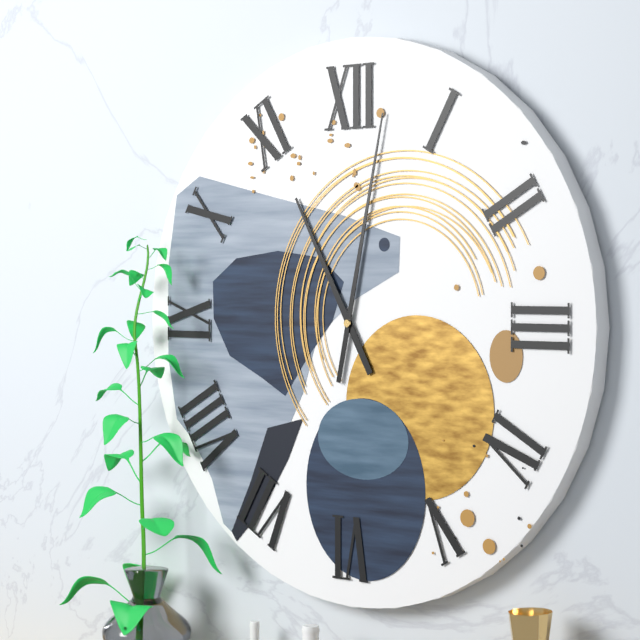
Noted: {"hour": 11, "minute": 2}
